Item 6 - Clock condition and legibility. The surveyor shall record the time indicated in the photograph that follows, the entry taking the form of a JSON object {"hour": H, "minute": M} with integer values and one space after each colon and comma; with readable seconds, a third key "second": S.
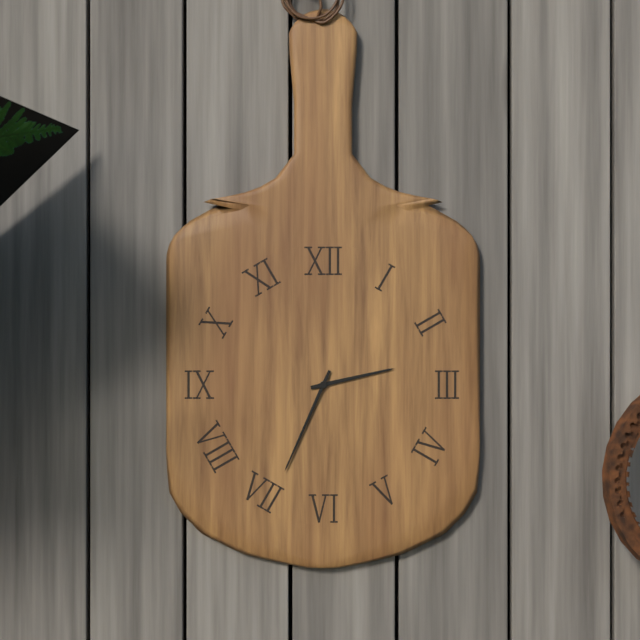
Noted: {"hour": 2, "minute": 34}
